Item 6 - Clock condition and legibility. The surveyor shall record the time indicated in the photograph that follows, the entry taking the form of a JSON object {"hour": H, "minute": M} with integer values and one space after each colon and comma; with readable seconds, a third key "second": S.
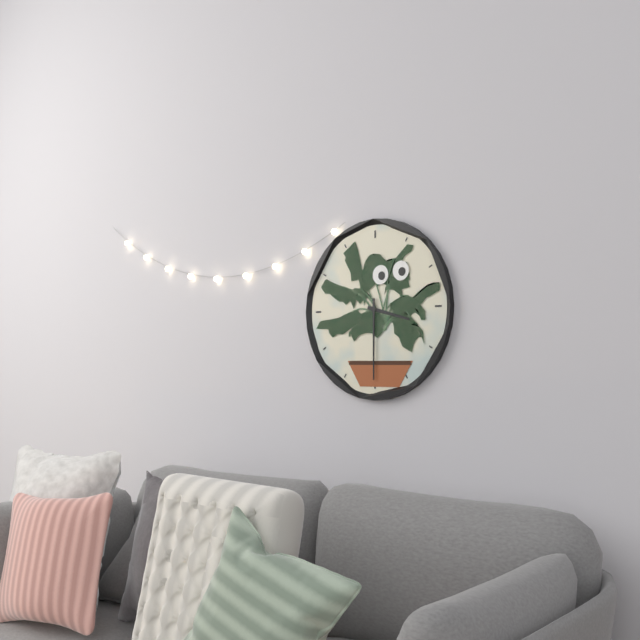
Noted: {"hour": 3, "minute": 30}
